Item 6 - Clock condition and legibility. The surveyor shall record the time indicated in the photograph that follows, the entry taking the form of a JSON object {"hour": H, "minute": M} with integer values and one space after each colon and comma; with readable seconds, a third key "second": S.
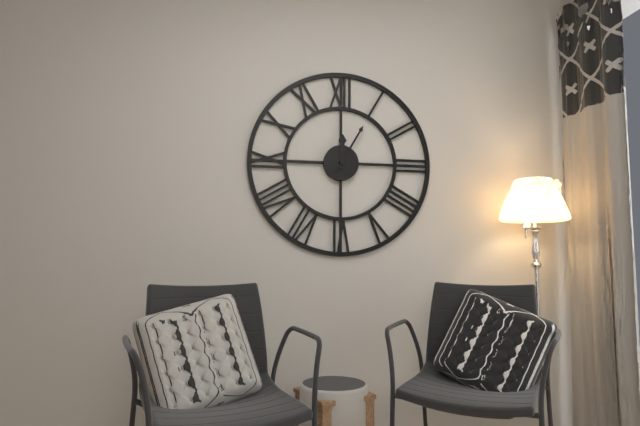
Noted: {"hour": 12, "minute": 5}
